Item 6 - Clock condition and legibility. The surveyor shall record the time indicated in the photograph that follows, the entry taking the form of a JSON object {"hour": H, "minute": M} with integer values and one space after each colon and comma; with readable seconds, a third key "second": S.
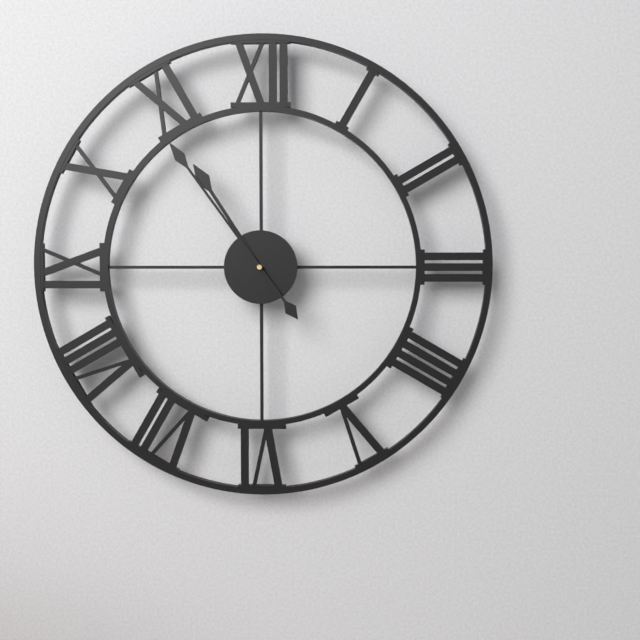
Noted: {"hour": 10, "minute": 54}
